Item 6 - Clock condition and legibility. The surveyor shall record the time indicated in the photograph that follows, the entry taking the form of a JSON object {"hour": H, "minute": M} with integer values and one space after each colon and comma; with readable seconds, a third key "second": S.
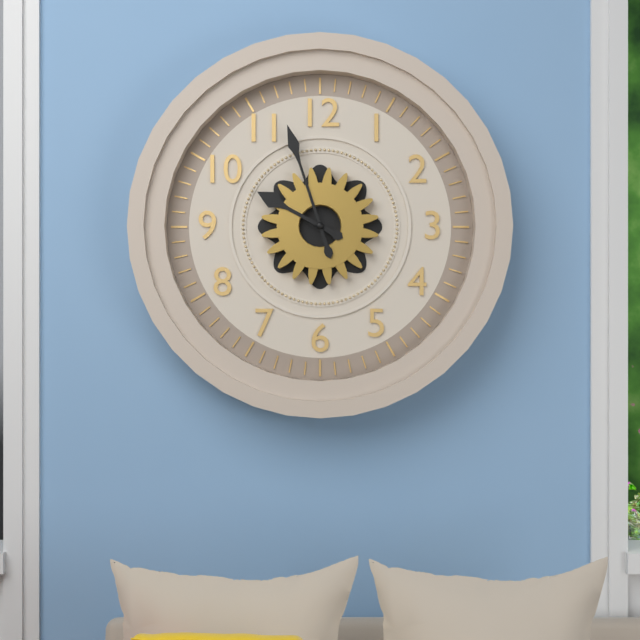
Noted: {"hour": 9, "minute": 57}
